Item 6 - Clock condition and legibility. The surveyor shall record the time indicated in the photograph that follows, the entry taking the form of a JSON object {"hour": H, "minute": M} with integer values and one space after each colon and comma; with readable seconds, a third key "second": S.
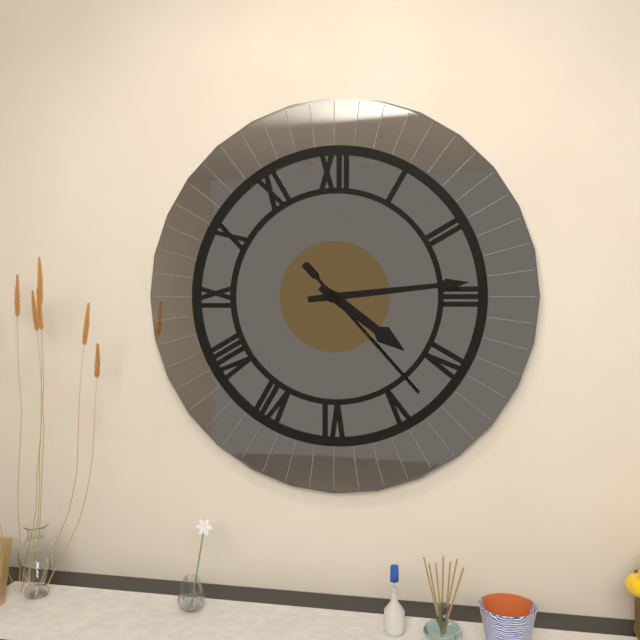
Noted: {"hour": 4, "minute": 14, "second": 23}
